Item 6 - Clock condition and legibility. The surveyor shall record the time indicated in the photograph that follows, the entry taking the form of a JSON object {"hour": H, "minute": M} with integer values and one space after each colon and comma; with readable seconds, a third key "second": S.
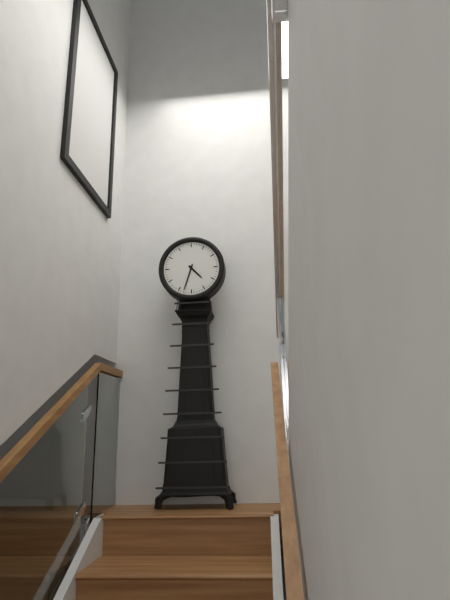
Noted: {"hour": 4, "minute": 33}
